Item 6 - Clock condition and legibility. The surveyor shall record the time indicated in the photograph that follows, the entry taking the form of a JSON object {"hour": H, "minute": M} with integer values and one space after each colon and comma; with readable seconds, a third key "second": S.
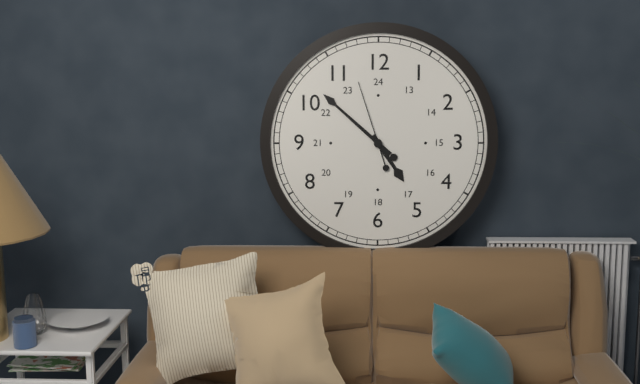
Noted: {"hour": 4, "minute": 52, "second": 57}
